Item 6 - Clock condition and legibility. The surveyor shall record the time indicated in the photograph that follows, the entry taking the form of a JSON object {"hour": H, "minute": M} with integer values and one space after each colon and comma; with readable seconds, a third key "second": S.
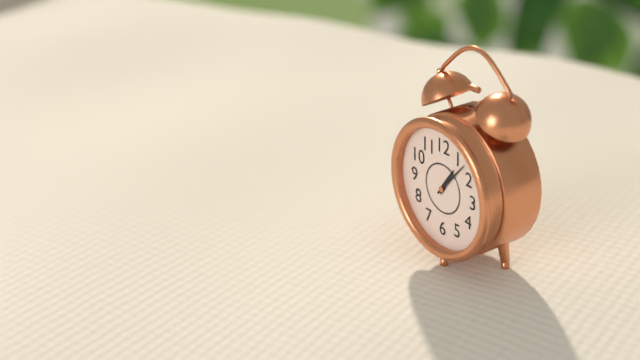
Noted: {"hour": 1, "minute": 7}
